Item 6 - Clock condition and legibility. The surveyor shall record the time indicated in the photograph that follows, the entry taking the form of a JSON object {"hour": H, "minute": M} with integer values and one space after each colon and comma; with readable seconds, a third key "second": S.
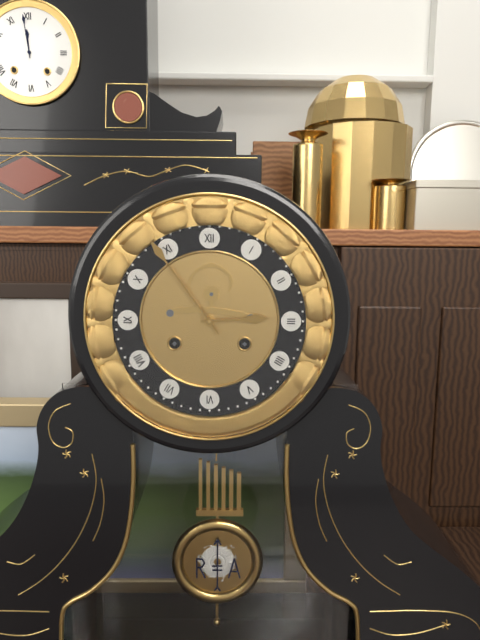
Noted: {"hour": 2, "minute": 54}
